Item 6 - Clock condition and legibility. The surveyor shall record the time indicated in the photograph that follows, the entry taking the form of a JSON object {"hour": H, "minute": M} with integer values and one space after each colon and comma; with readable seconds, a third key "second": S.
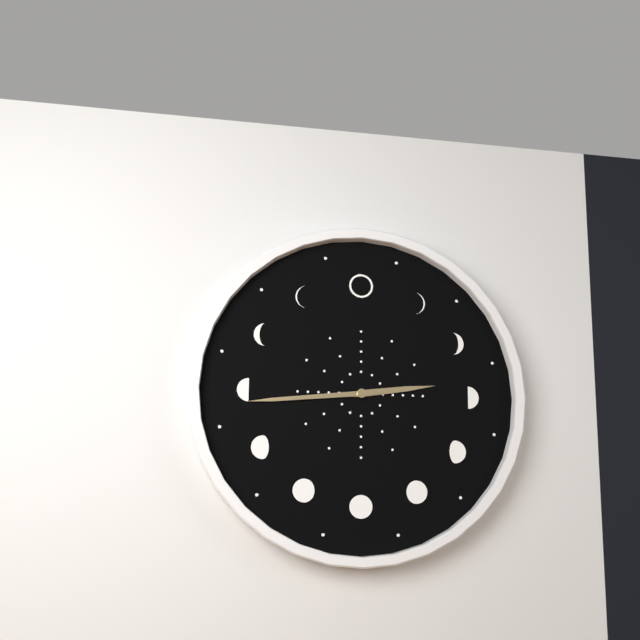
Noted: {"hour": 2, "minute": 44}
